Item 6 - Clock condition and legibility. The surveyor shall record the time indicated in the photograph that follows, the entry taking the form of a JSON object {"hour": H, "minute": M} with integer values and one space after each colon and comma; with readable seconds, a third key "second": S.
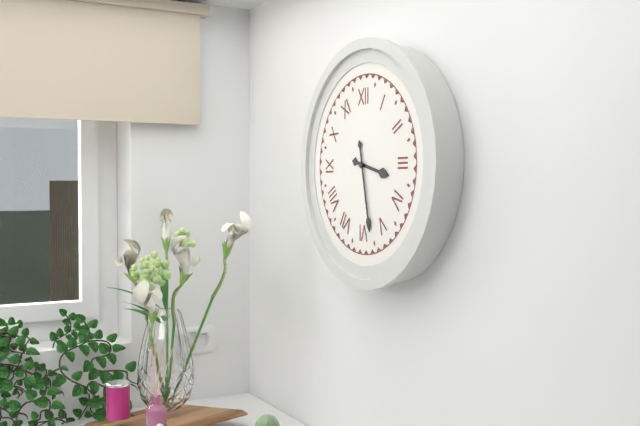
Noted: {"hour": 3, "minute": 28}
